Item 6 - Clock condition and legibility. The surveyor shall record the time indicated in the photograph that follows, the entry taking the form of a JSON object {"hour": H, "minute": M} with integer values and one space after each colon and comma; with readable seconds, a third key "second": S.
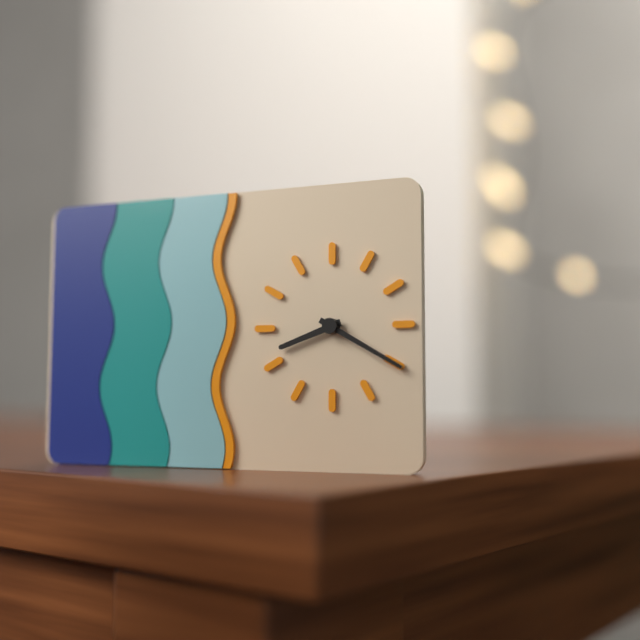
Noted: {"hour": 8, "minute": 20}
